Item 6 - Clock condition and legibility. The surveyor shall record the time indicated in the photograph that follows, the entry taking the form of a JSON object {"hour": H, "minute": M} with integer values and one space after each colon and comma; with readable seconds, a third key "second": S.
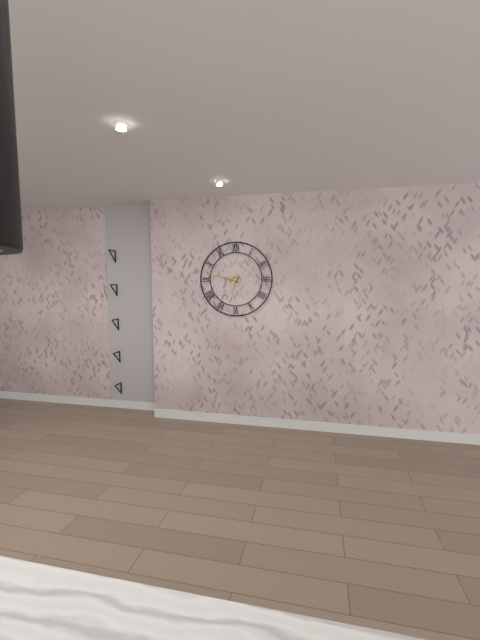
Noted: {"hour": 6, "minute": 47}
